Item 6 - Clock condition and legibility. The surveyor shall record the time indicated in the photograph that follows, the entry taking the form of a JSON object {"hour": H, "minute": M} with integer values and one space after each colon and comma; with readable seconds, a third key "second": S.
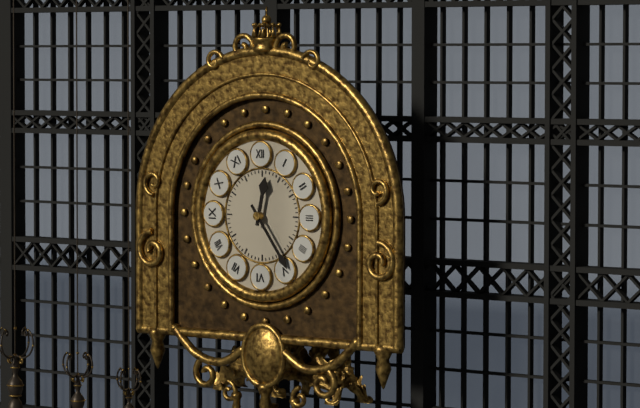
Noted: {"hour": 12, "minute": 24}
